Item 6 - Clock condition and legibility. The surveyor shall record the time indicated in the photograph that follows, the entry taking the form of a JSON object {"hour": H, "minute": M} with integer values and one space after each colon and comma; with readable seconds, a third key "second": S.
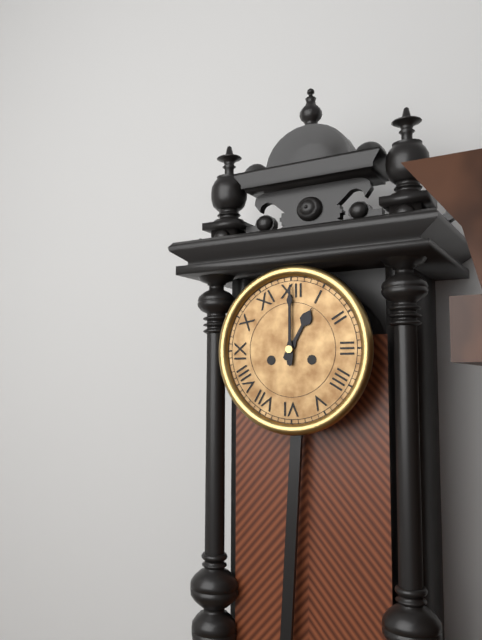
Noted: {"hour": 1, "minute": 0}
